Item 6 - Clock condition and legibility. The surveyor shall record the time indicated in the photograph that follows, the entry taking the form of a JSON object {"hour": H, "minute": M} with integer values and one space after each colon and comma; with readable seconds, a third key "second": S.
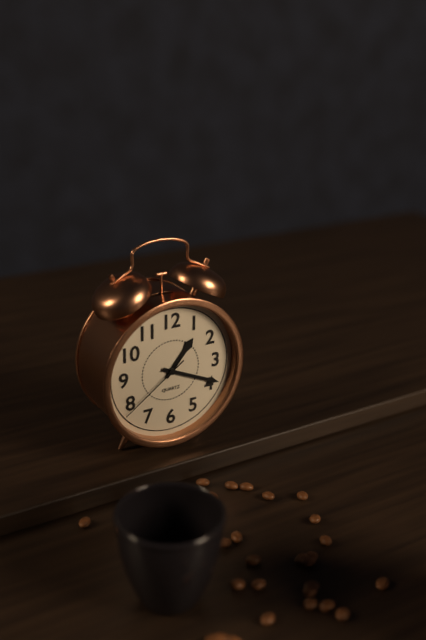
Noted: {"hour": 1, "minute": 19, "second": 39}
